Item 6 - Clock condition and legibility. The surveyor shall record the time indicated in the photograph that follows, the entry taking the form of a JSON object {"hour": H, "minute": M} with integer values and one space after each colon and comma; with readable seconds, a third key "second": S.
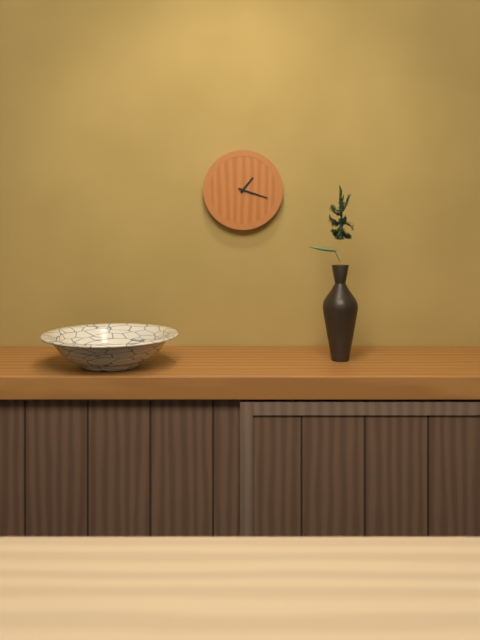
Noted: {"hour": 1, "minute": 18}
